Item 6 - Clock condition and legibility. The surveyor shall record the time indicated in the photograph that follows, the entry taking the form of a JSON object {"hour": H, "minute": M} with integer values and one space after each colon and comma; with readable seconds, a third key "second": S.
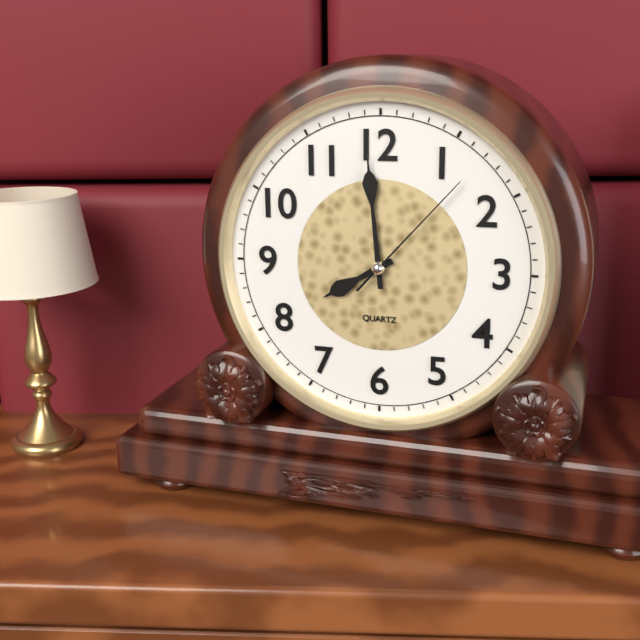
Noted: {"hour": 7, "minute": 59, "second": 7}
